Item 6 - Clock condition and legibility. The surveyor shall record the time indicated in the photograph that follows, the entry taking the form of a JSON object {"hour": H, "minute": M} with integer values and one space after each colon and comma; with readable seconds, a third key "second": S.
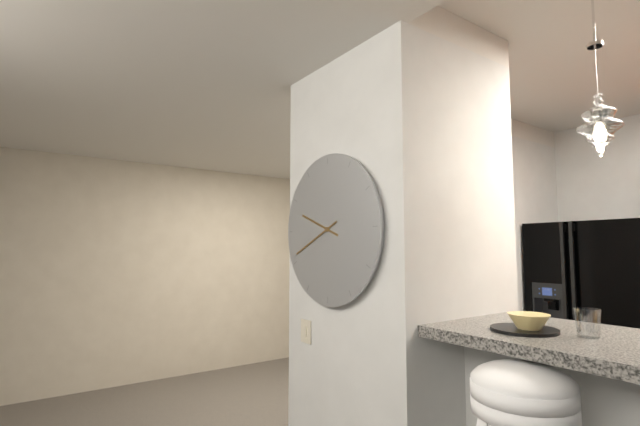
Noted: {"hour": 9, "minute": 41}
